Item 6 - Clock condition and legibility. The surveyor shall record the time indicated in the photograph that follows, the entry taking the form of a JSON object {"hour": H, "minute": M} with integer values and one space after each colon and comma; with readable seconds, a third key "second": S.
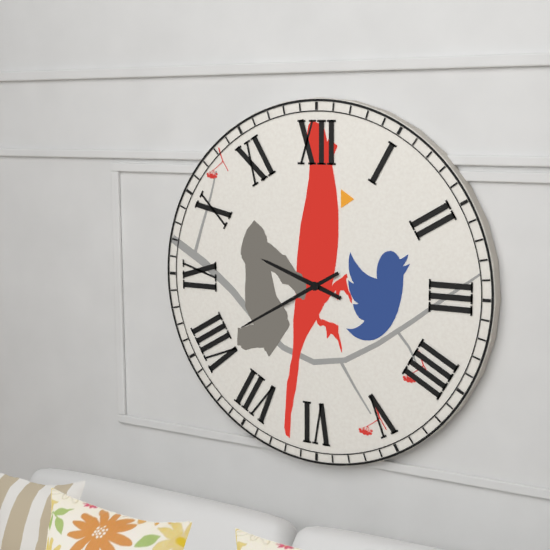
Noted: {"hour": 9, "minute": 40}
